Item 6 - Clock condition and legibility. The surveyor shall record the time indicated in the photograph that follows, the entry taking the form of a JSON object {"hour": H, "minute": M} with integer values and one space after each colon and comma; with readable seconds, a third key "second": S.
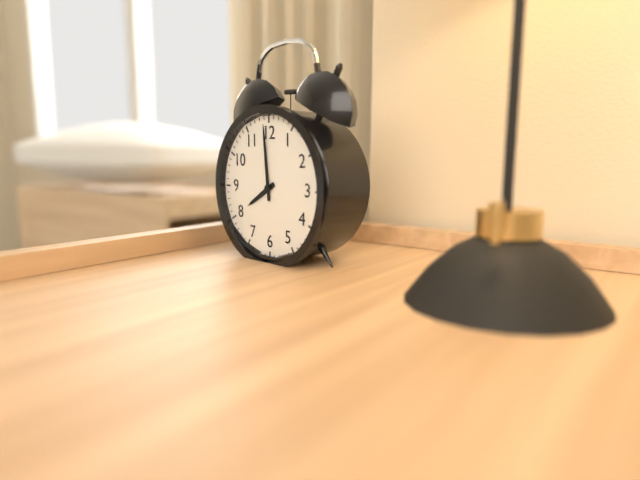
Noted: {"hour": 7, "minute": 59}
